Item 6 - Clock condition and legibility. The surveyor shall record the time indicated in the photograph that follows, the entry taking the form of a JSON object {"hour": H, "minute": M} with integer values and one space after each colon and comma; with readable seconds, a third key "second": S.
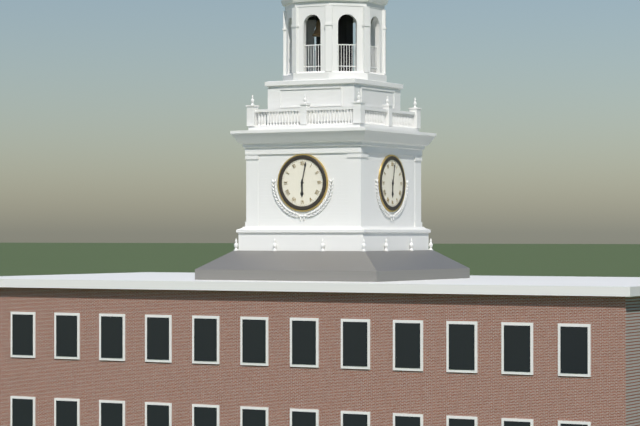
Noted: {"hour": 6, "minute": 2}
